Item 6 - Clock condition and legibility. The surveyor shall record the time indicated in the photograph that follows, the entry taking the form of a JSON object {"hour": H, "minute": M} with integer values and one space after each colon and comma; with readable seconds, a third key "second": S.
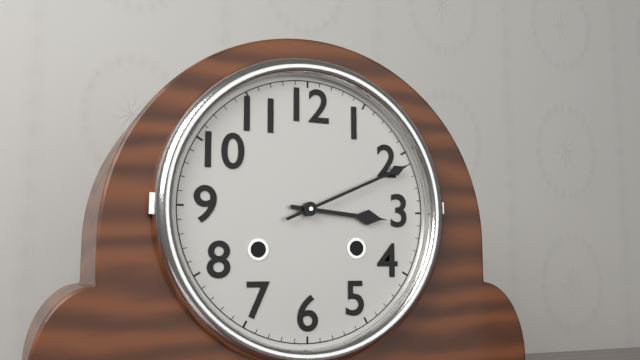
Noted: {"hour": 3, "minute": 11}
